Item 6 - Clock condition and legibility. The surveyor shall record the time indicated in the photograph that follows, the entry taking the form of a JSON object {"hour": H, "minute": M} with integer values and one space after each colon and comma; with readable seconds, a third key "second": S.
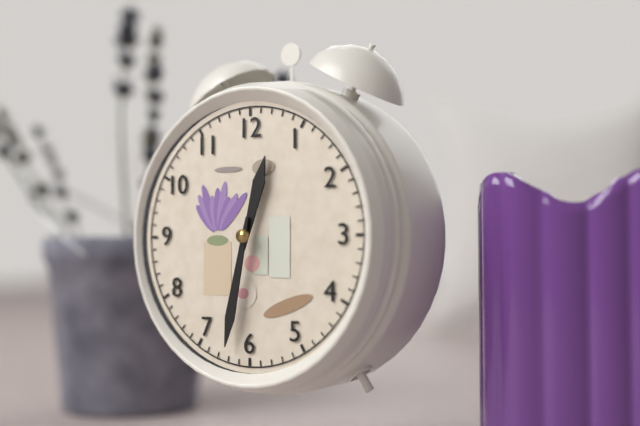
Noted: {"hour": 12, "minute": 32}
